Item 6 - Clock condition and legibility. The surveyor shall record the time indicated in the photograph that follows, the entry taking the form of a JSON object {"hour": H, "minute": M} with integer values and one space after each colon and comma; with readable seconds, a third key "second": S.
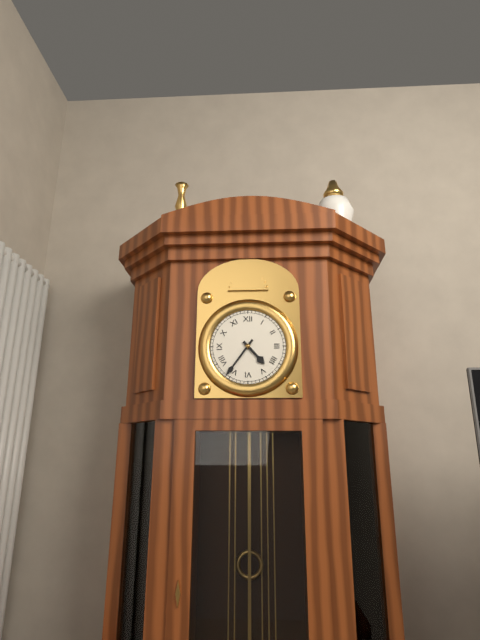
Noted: {"hour": 4, "minute": 36}
